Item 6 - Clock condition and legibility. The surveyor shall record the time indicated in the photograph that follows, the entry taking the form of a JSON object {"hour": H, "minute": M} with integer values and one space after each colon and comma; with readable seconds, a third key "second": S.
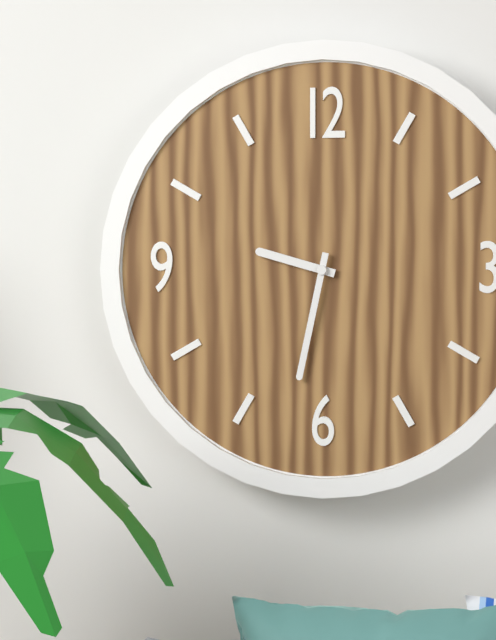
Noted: {"hour": 9, "minute": 32}
